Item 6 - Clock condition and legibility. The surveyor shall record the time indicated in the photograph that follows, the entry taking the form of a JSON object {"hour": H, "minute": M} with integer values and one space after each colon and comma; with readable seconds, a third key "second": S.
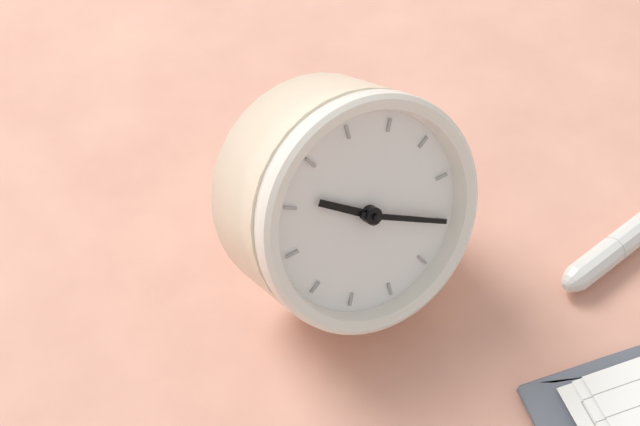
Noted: {"hour": 9, "minute": 15}
